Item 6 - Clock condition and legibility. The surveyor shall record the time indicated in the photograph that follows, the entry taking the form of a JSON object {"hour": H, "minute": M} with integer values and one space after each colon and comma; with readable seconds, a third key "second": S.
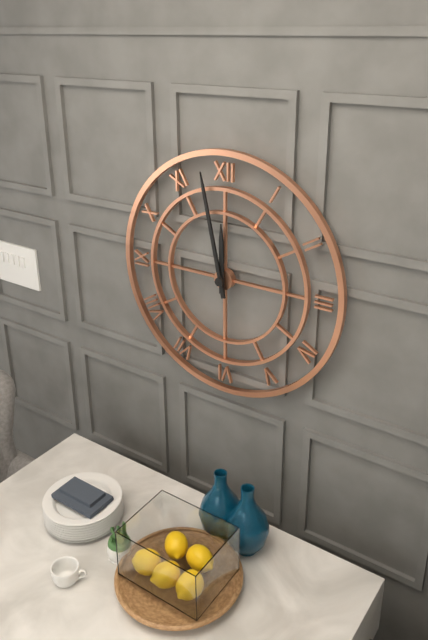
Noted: {"hour": 11, "minute": 58}
